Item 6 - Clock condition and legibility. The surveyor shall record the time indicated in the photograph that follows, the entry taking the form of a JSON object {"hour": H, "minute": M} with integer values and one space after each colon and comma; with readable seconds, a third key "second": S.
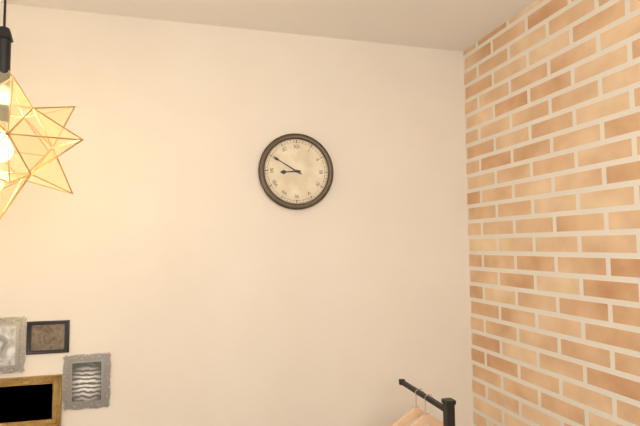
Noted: {"hour": 8, "minute": 50}
